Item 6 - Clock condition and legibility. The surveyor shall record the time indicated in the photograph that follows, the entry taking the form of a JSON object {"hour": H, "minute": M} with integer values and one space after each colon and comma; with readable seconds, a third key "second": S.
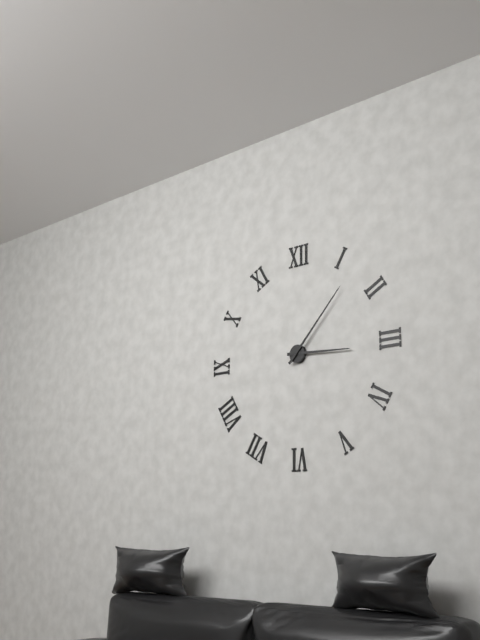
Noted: {"hour": 3, "minute": 7}
